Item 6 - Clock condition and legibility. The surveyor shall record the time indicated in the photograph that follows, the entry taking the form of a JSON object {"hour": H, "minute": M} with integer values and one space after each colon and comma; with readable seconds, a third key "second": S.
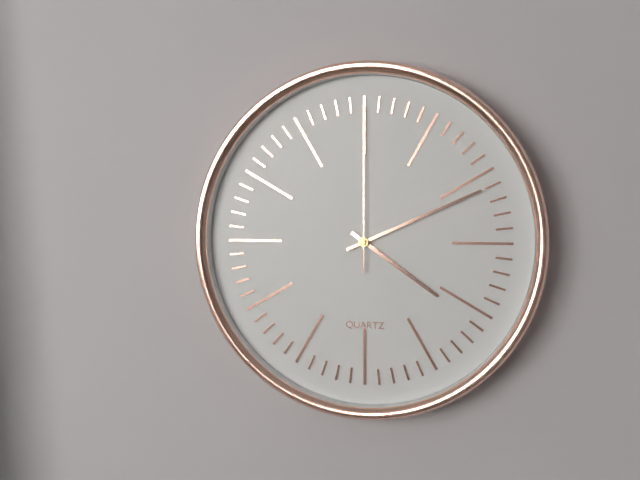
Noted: {"hour": 4, "minute": 11, "second": 0}
